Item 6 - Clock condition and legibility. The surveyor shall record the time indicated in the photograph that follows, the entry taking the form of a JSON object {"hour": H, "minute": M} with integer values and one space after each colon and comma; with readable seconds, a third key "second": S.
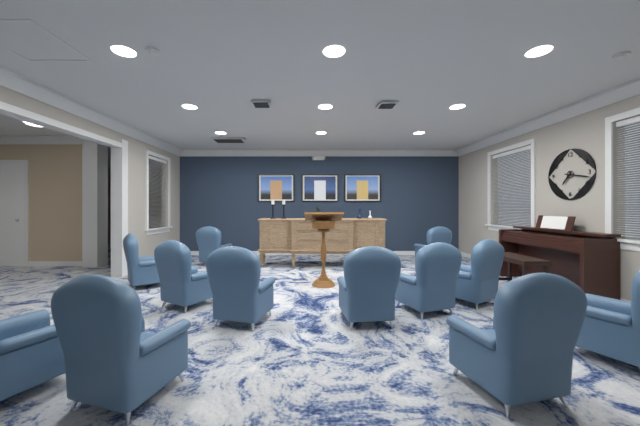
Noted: {"hour": 7, "minute": 17}
